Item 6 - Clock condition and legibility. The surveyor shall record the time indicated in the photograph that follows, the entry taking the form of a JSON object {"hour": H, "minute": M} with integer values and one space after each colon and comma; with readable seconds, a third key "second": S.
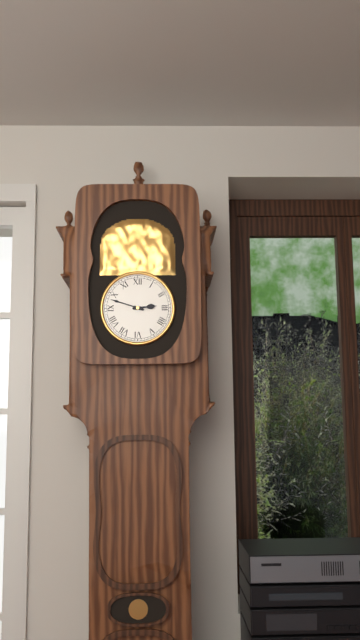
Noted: {"hour": 2, "minute": 48}
